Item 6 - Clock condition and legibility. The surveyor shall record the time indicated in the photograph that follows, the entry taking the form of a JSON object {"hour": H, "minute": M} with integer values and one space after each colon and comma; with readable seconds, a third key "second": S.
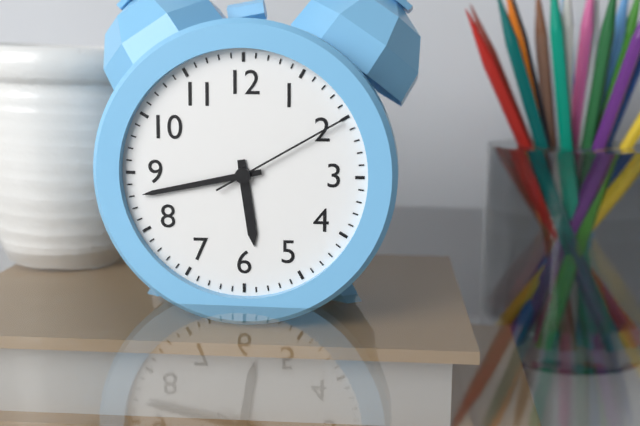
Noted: {"hour": 5, "minute": 43, "second": 10}
